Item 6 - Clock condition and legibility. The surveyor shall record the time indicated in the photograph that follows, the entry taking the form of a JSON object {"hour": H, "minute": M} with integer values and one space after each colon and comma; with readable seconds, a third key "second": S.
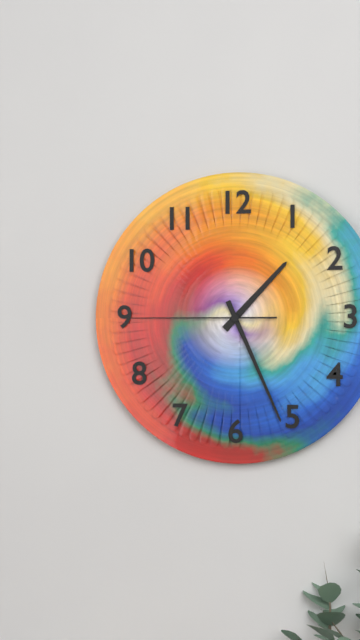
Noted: {"hour": 1, "minute": 26, "second": 45}
